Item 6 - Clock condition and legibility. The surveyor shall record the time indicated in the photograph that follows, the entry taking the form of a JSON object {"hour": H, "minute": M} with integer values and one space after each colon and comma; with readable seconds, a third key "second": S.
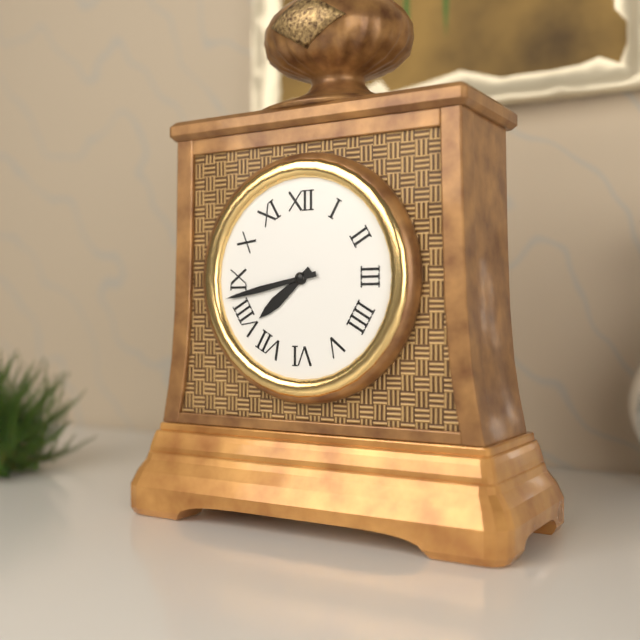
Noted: {"hour": 7, "minute": 43}
